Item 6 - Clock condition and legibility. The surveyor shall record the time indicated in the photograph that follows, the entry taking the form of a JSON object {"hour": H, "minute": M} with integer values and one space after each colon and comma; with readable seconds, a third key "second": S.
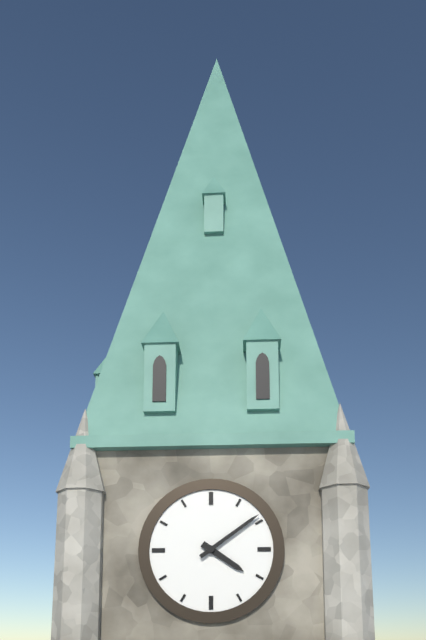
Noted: {"hour": 4, "minute": 9}
